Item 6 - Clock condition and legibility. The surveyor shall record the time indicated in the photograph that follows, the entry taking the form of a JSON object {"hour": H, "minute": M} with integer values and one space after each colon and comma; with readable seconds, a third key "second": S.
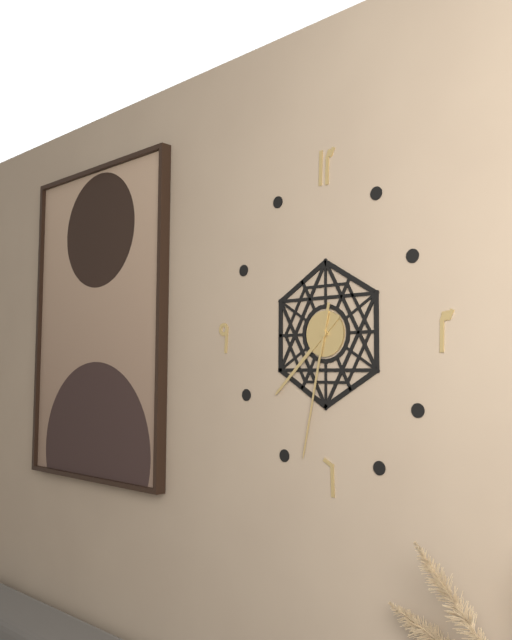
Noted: {"hour": 7, "minute": 32}
